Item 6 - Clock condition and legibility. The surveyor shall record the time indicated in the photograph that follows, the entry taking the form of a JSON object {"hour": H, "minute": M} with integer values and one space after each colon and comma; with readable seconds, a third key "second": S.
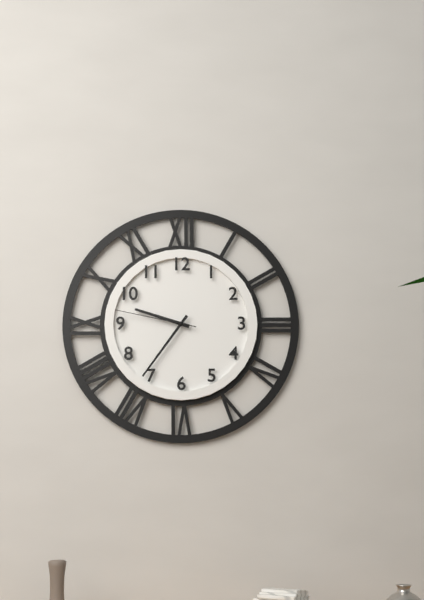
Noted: {"hour": 9, "minute": 36, "second": 47}
